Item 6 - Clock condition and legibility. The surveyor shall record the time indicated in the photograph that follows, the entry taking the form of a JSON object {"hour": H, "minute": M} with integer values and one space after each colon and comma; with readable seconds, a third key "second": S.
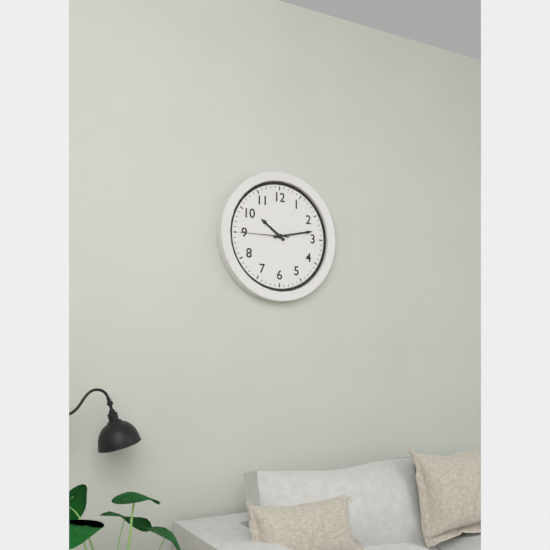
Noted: {"hour": 10, "minute": 13}
